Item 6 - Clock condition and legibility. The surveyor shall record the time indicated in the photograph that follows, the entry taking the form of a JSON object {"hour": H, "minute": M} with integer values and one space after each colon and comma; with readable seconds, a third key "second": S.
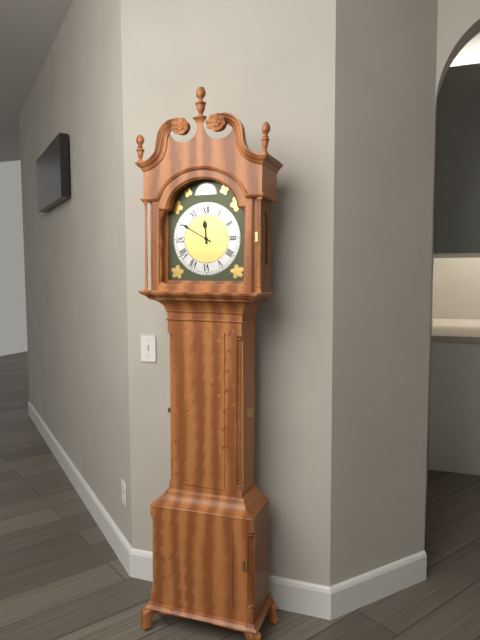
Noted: {"hour": 11, "minute": 50}
